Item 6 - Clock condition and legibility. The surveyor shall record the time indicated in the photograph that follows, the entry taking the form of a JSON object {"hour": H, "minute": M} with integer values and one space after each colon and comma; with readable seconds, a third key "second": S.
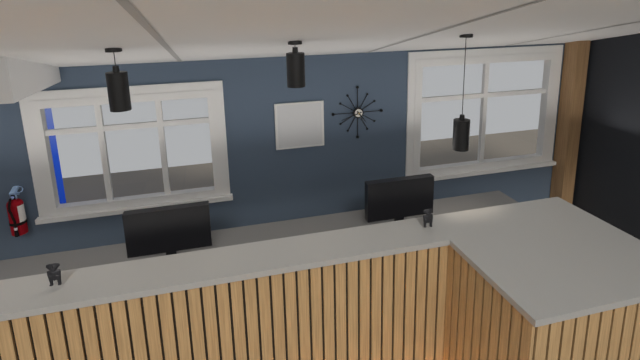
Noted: {"hour": 4, "minute": 42}
